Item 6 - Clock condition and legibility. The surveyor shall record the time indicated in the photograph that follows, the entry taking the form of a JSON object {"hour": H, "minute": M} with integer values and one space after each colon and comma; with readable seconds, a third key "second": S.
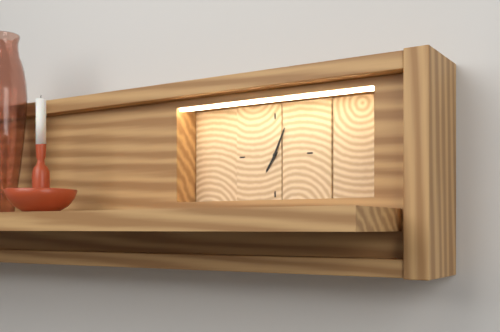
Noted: {"hour": 7, "minute": 4}
